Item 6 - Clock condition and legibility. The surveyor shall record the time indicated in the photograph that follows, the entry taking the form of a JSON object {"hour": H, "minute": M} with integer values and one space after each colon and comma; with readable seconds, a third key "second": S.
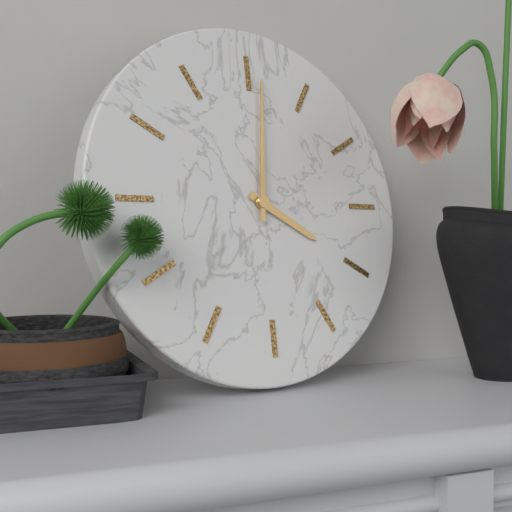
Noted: {"hour": 4, "minute": 1}
